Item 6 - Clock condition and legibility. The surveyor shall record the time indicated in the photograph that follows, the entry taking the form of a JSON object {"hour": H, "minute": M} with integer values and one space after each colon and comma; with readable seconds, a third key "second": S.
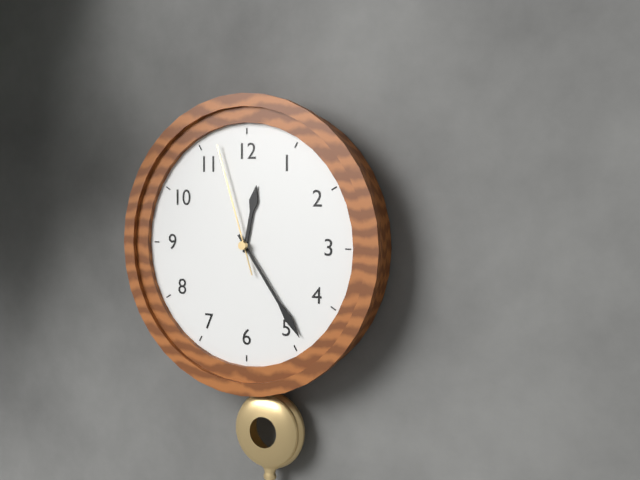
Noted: {"hour": 12, "minute": 24, "second": 57}
